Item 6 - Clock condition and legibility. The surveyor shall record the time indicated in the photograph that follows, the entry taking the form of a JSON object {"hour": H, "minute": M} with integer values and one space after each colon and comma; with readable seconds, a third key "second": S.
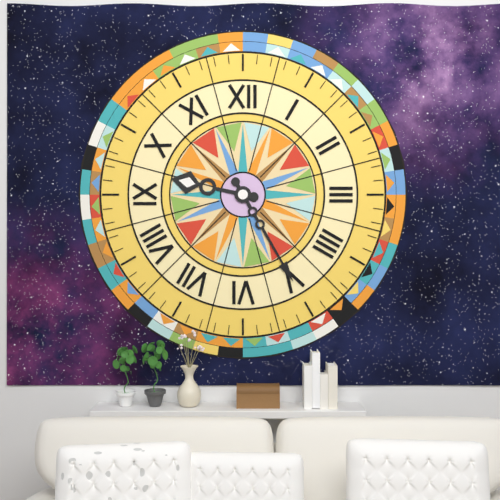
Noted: {"hour": 9, "minute": 25}
